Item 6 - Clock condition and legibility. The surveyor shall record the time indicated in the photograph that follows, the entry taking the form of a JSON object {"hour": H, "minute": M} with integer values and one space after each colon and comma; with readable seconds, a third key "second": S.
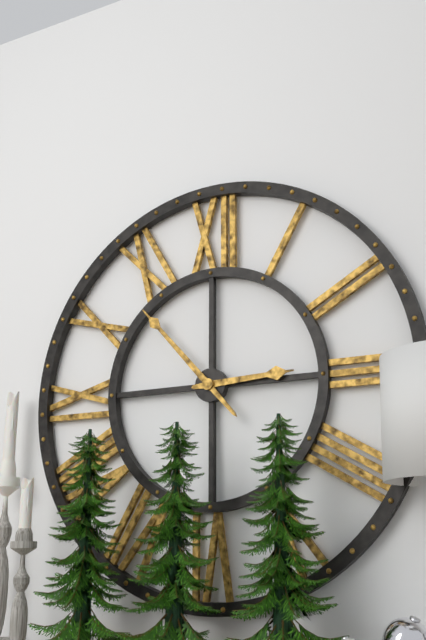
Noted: {"hour": 2, "minute": 53}
